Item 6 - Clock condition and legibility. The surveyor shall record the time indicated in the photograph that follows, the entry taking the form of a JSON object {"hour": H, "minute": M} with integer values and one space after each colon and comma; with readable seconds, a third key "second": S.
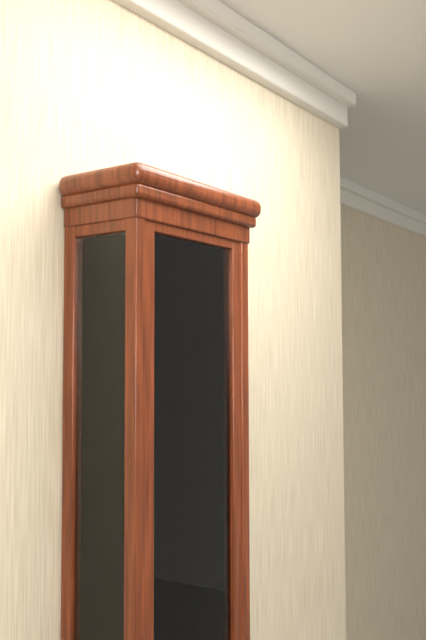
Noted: {"hour": 2, "minute": 1}
